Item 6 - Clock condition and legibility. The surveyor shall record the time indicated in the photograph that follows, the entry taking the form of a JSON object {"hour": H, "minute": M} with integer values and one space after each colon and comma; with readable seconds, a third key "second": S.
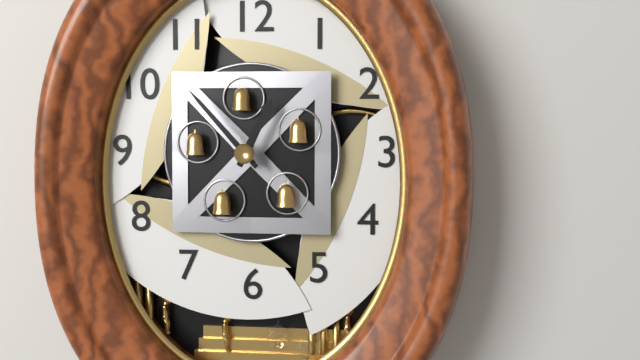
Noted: {"hour": 12, "minute": 53}
